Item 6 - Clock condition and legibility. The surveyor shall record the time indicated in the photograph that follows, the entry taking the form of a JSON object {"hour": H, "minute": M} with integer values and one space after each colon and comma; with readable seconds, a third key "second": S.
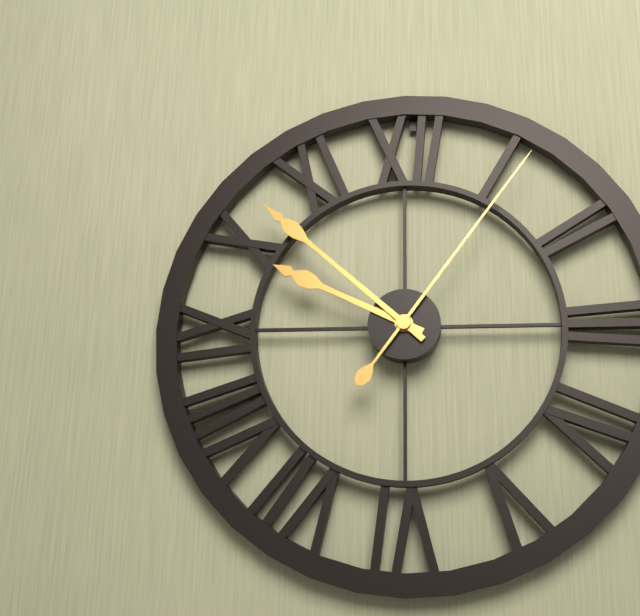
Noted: {"hour": 9, "minute": 52, "second": 6}
